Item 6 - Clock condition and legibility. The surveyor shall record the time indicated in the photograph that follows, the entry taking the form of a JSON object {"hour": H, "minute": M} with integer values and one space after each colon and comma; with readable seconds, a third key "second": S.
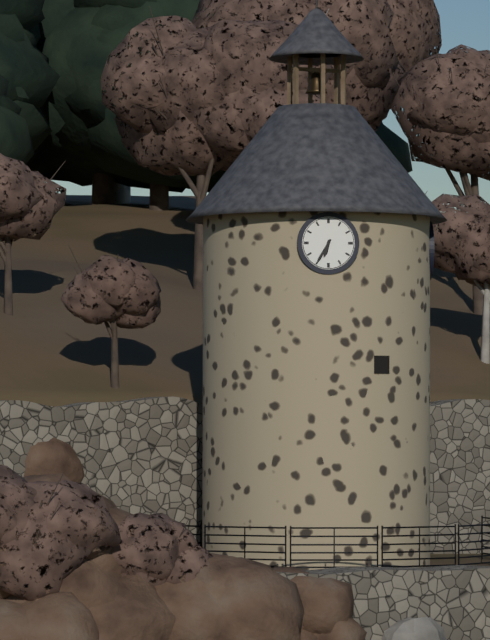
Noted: {"hour": 6, "minute": 35}
